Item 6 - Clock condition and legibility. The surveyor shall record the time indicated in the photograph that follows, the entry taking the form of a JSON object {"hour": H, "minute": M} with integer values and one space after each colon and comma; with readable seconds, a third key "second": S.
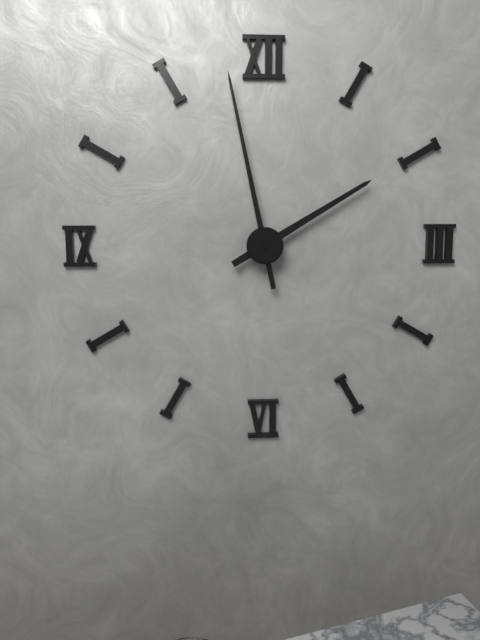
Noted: {"hour": 1, "minute": 58}
